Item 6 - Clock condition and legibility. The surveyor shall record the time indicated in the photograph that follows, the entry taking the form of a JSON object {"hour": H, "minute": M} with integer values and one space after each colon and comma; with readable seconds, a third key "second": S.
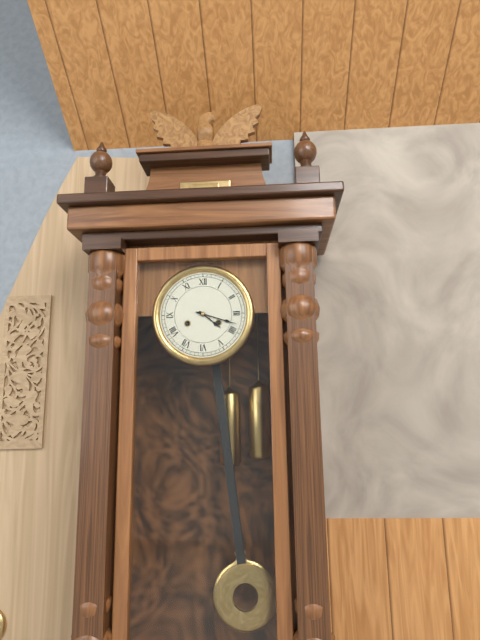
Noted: {"hour": 4, "minute": 18}
